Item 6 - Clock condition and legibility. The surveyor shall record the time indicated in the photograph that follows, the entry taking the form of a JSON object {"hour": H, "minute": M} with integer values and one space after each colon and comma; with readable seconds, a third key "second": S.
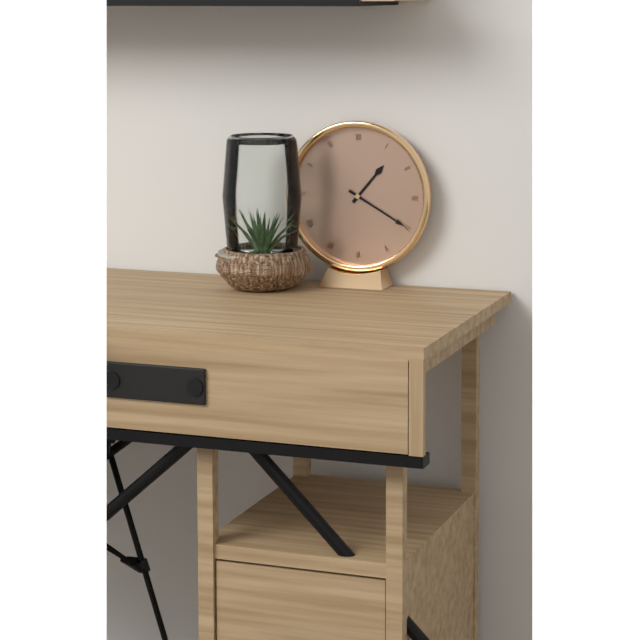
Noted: {"hour": 1, "minute": 20}
